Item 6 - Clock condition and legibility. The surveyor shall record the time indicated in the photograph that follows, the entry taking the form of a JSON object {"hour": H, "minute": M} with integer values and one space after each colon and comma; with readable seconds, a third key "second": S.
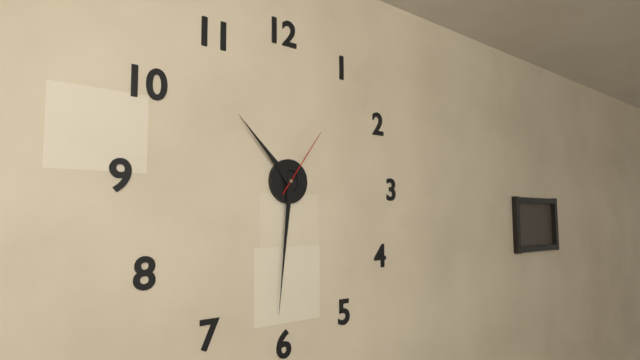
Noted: {"hour": 10, "minute": 31, "second": 6}
